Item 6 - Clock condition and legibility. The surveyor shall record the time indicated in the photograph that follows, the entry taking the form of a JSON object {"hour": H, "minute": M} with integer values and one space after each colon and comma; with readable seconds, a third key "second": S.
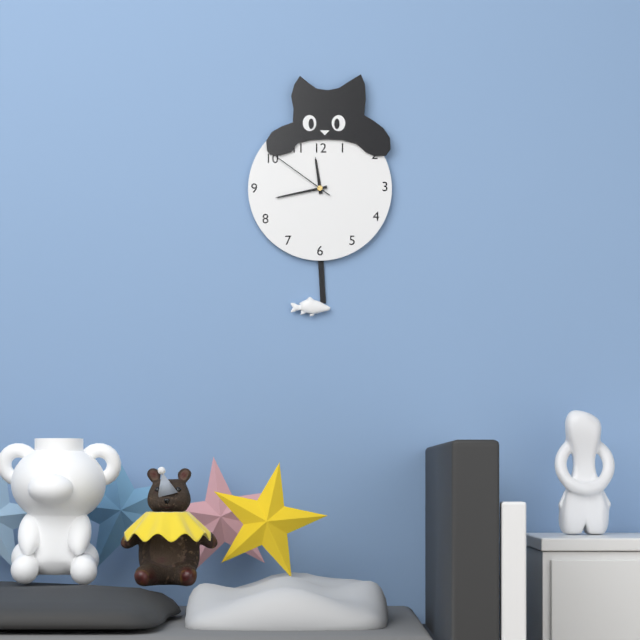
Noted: {"hour": 11, "minute": 43, "second": 51}
